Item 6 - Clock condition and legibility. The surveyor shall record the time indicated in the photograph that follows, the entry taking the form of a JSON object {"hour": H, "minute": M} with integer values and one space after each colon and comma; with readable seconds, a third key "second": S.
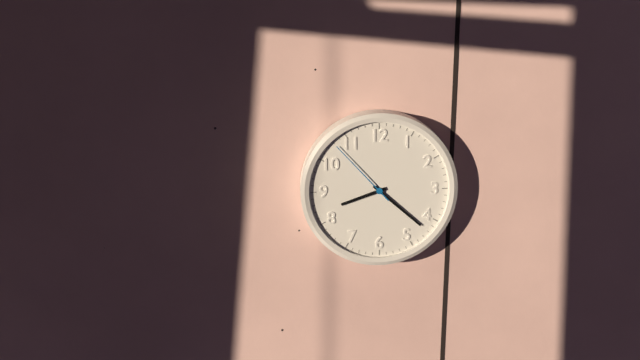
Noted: {"hour": 8, "minute": 22, "second": 53}
